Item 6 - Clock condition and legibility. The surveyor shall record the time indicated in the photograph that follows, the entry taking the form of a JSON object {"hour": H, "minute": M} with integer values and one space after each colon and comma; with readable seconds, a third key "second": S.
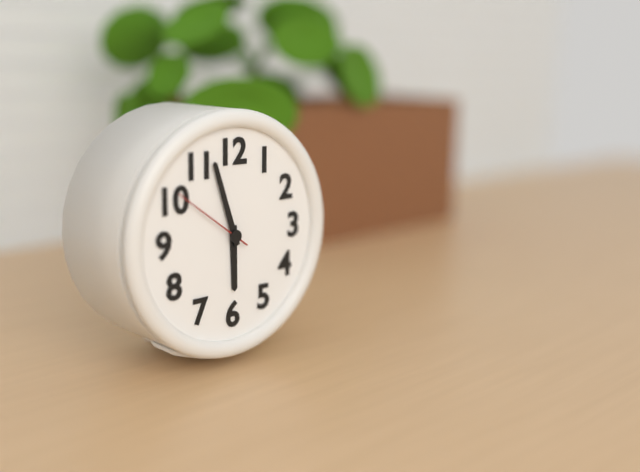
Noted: {"hour": 5, "minute": 57, "second": 51}
